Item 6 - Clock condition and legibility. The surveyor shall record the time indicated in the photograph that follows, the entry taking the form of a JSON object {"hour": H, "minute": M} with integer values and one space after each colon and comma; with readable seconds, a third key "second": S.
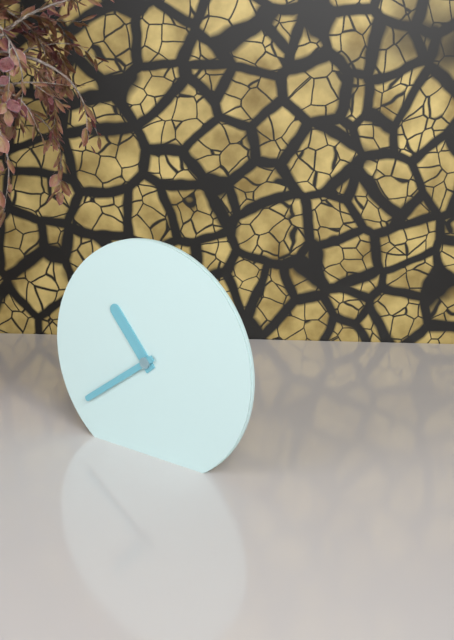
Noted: {"hour": 10, "minute": 39}
